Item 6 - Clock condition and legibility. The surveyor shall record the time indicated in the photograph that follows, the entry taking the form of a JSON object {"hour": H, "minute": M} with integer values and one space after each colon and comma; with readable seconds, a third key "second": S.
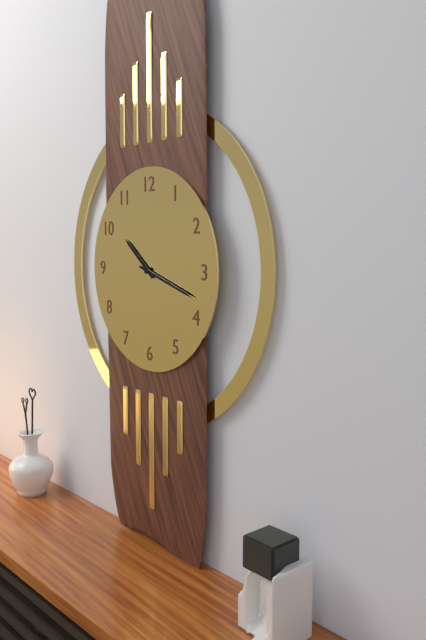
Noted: {"hour": 10, "minute": 18}
